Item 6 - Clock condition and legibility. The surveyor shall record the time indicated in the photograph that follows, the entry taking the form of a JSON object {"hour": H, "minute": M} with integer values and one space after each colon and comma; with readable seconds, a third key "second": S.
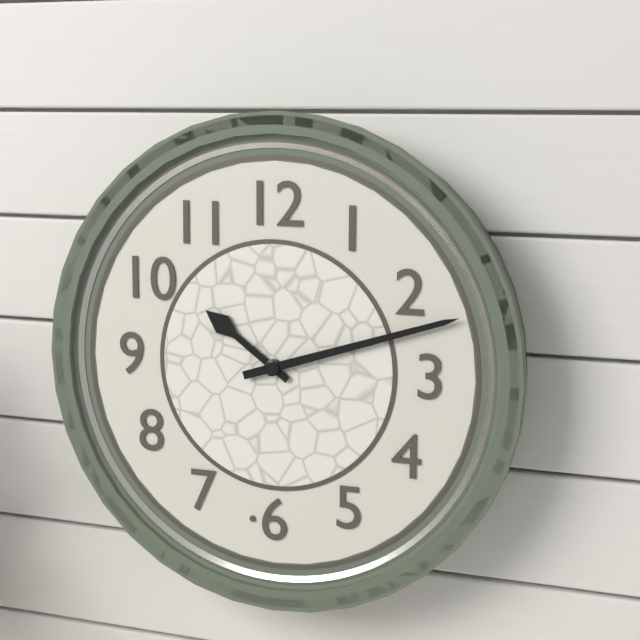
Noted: {"hour": 10, "minute": 12}
